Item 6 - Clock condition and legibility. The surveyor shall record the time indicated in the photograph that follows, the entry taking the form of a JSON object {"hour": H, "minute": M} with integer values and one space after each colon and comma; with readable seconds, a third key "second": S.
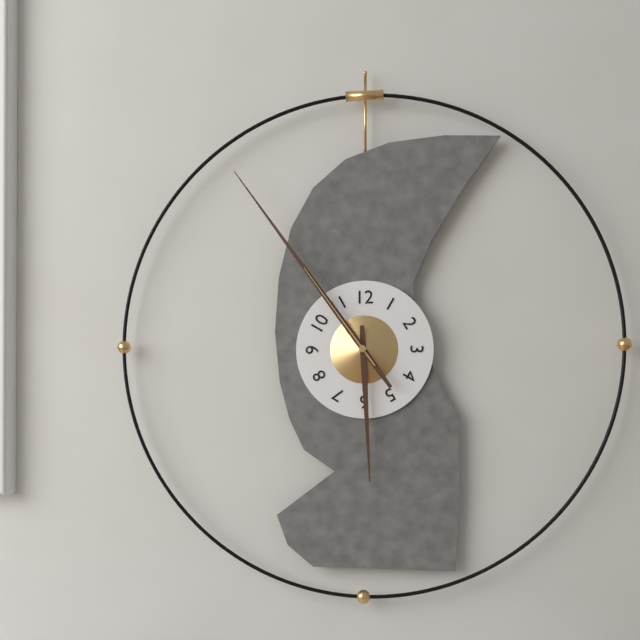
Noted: {"hour": 5, "minute": 54, "second": 54}
